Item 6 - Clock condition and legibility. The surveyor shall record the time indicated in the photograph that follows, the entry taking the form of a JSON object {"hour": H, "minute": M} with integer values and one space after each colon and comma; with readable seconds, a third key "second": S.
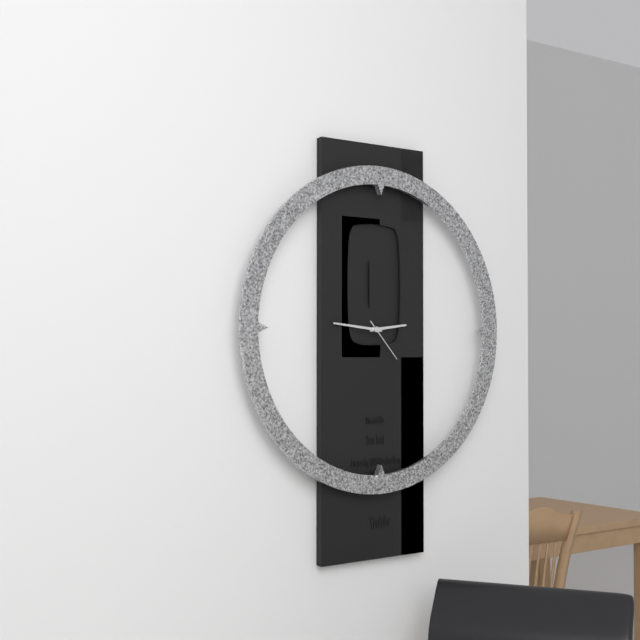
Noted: {"hour": 2, "minute": 46}
